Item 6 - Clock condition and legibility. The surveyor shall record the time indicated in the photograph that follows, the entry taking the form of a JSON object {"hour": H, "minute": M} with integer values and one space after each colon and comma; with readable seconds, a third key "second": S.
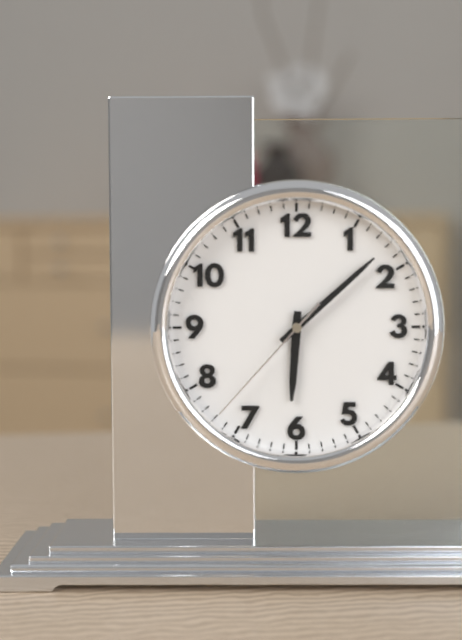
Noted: {"hour": 6, "minute": 8, "second": 37}
